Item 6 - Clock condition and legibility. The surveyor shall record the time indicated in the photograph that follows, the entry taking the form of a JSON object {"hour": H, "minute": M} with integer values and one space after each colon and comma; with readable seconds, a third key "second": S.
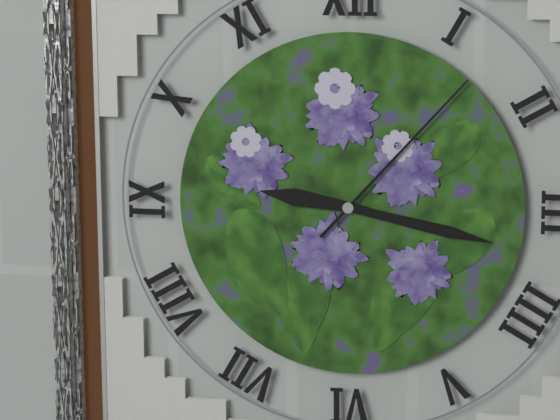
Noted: {"hour": 9, "minute": 17, "second": 7}
